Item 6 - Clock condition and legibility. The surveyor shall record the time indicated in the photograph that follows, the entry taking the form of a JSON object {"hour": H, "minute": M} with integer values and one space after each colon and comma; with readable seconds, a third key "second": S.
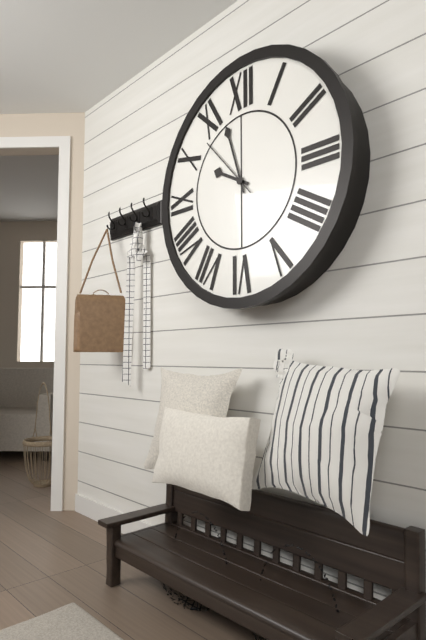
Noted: {"hour": 9, "minute": 57, "second": 53}
